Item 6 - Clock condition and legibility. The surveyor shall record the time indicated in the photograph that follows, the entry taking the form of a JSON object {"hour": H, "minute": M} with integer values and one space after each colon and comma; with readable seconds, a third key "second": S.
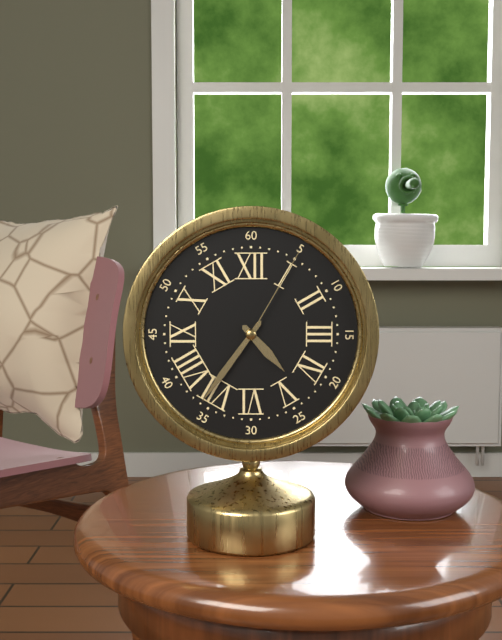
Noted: {"hour": 4, "minute": 36, "second": 5}
